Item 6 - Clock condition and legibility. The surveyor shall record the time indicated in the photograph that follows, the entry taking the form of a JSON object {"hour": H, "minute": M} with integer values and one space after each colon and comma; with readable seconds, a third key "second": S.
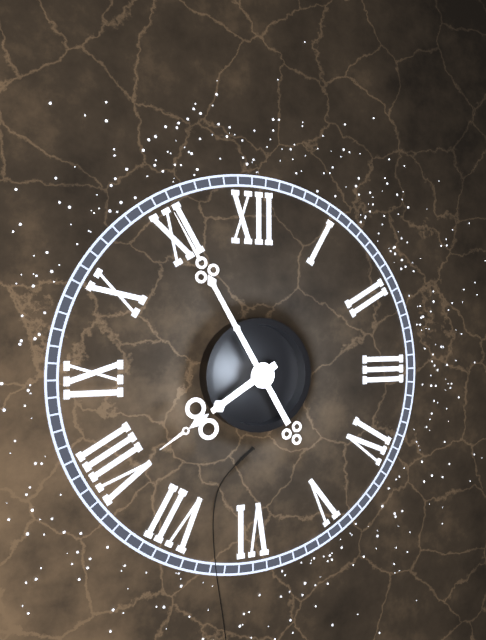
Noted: {"hour": 7, "minute": 55}
